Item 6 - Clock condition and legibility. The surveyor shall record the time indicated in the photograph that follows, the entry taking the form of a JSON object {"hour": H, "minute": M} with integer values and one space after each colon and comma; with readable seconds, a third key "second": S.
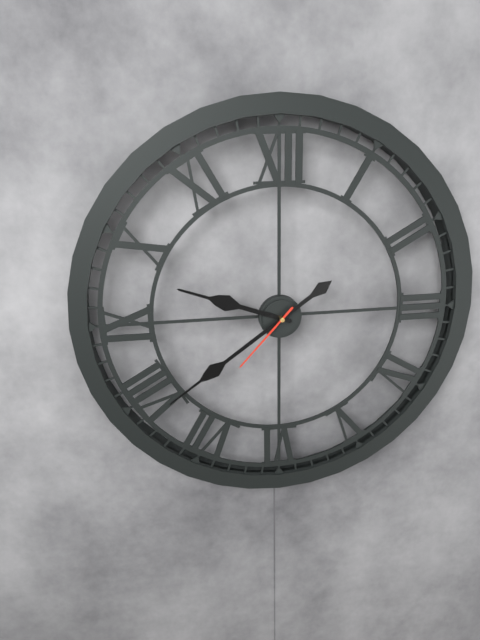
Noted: {"hour": 9, "minute": 39, "second": 37}
